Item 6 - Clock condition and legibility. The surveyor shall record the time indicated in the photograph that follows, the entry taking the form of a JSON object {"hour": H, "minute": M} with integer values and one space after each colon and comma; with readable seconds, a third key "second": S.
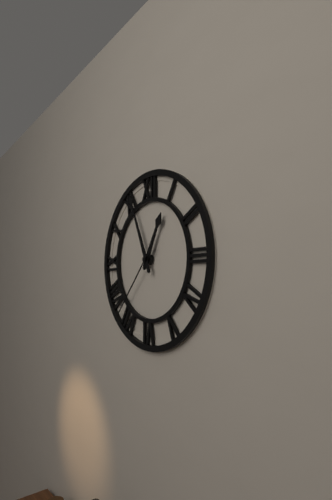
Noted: {"hour": 12, "minute": 56, "second": 37}
